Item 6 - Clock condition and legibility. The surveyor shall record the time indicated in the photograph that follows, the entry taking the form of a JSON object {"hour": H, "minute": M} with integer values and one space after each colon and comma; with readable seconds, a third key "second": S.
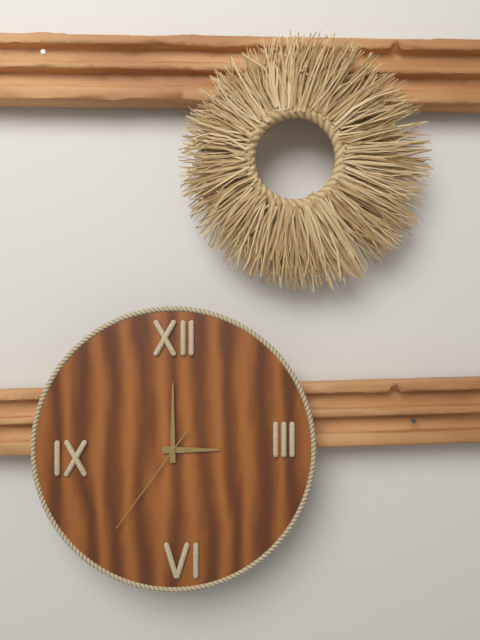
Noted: {"hour": 3, "minute": 0, "second": 36}
